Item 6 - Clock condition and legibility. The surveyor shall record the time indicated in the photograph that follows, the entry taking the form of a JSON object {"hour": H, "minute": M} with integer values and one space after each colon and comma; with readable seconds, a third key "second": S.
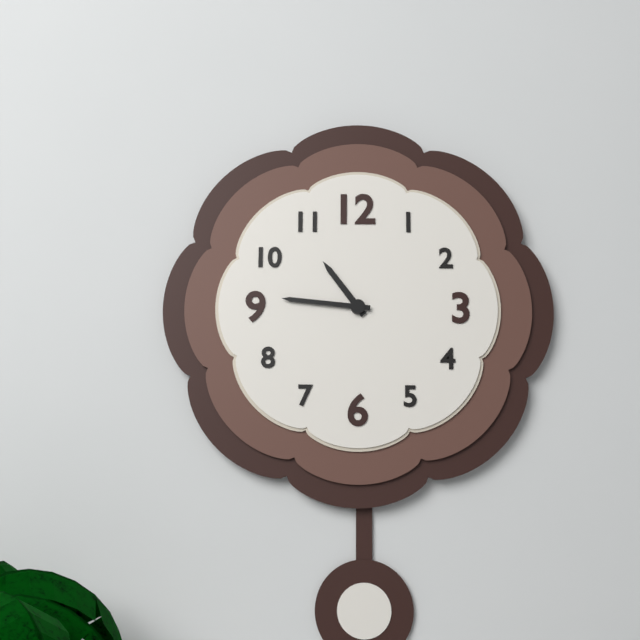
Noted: {"hour": 10, "minute": 46}
